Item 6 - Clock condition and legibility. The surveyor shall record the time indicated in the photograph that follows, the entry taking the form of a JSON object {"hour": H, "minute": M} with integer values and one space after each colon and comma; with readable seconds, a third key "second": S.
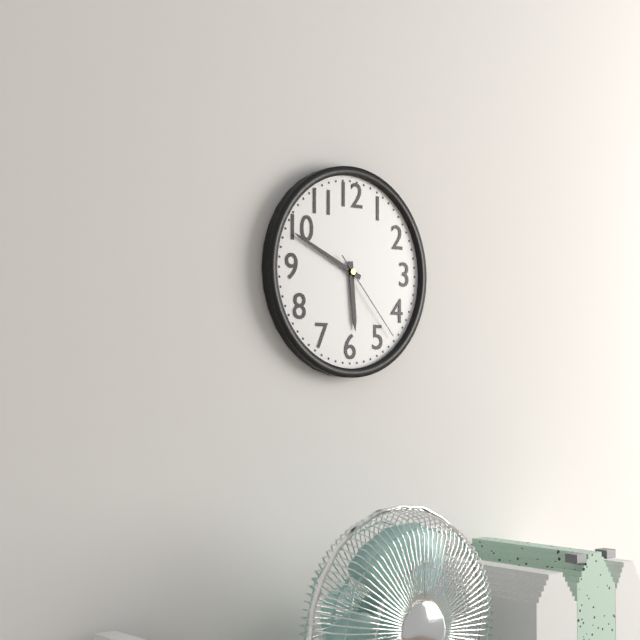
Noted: {"hour": 5, "minute": 49, "second": 23}
